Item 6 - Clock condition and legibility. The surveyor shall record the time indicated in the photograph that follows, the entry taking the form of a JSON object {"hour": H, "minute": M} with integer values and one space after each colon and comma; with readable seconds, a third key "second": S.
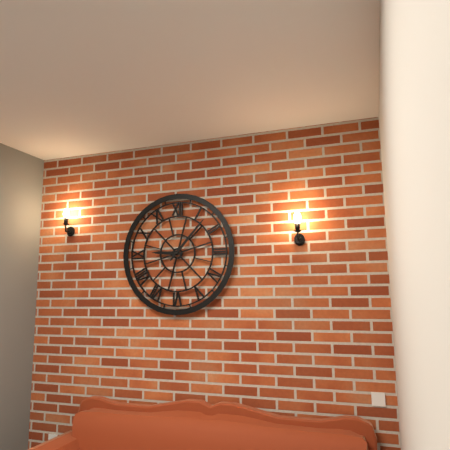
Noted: {"hour": 9, "minute": 7}
